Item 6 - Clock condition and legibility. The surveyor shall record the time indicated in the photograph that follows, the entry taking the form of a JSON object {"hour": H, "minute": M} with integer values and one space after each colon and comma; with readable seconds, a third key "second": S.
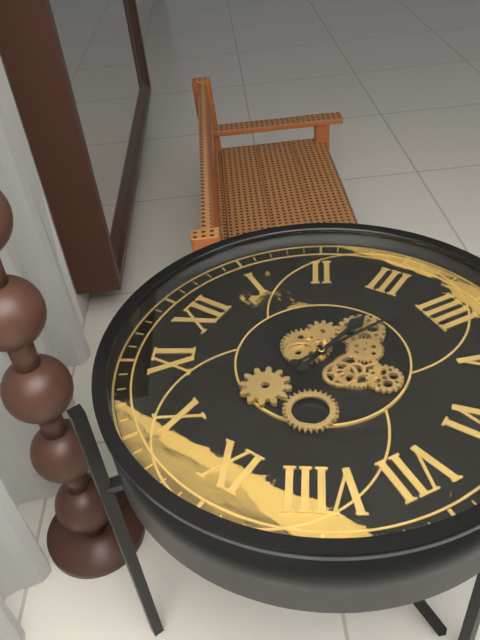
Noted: {"hour": 3, "minute": 19}
